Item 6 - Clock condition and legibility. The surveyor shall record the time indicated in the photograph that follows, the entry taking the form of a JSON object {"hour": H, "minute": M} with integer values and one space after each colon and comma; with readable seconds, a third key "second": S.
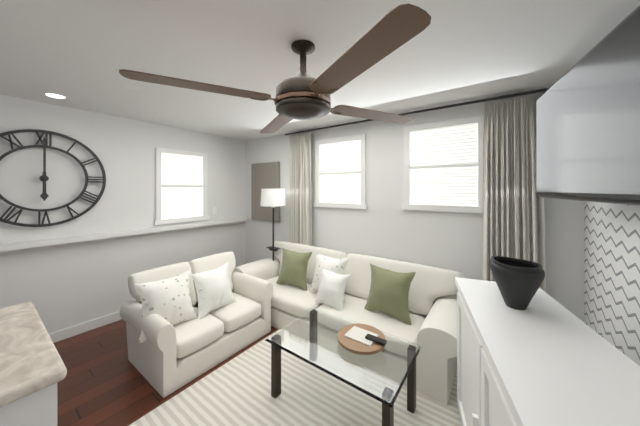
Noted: {"hour": 6, "minute": 0}
